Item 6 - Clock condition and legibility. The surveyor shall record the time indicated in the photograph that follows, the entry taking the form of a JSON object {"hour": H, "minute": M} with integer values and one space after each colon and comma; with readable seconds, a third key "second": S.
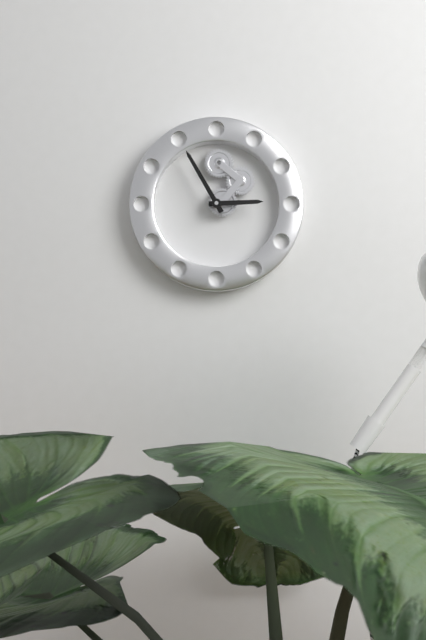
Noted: {"hour": 2, "minute": 55}
